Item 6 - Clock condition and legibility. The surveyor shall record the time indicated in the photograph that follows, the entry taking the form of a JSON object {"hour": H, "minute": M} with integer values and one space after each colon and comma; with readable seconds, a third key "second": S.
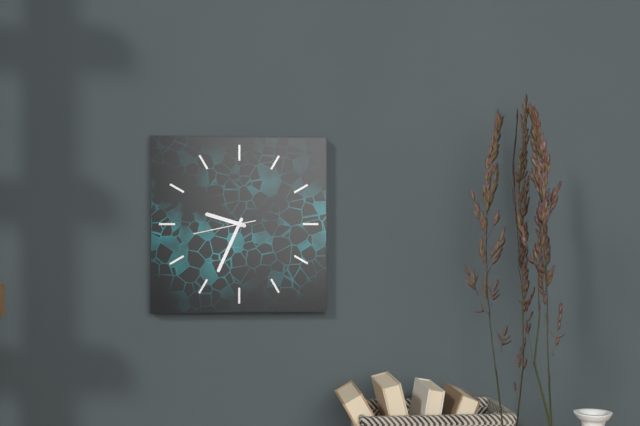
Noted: {"hour": 9, "minute": 34, "second": 43}
